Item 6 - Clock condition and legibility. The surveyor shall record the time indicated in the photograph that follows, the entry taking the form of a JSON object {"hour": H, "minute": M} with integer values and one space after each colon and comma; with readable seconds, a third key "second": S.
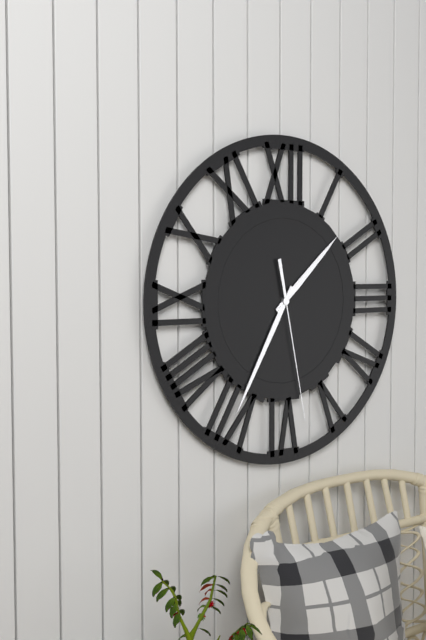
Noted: {"hour": 1, "minute": 35, "second": 28}
